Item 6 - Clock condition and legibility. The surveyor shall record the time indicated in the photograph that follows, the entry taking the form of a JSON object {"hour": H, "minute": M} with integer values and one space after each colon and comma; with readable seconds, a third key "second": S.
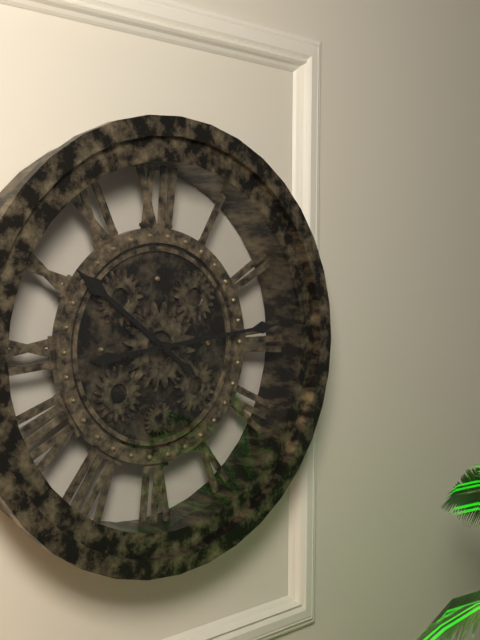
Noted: {"hour": 10, "minute": 14}
